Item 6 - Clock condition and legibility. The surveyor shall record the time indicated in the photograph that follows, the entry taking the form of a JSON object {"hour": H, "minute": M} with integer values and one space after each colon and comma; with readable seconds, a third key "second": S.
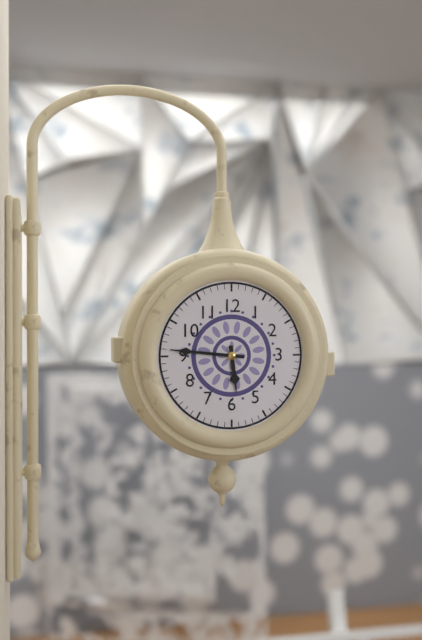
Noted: {"hour": 5, "minute": 46}
